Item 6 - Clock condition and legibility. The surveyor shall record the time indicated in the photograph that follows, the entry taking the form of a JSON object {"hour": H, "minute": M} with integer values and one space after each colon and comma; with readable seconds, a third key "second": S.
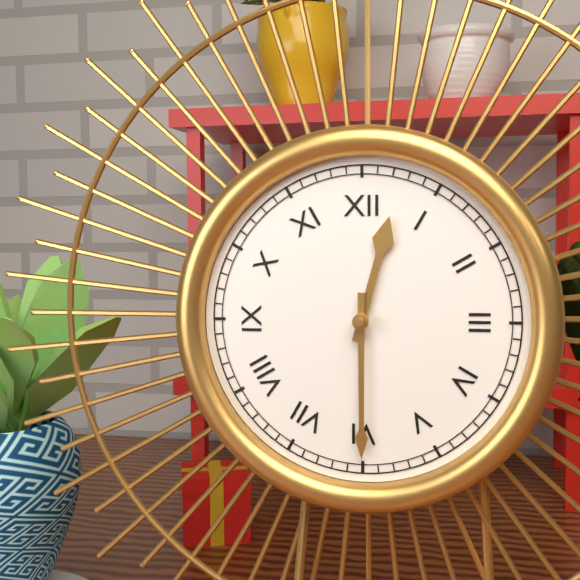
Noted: {"hour": 12, "minute": 30}
